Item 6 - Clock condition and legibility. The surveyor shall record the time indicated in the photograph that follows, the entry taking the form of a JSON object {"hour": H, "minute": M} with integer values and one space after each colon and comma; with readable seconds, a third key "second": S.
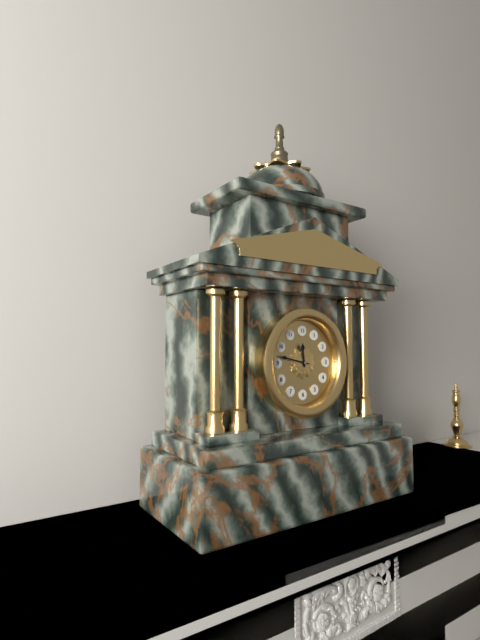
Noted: {"hour": 11, "minute": 47}
